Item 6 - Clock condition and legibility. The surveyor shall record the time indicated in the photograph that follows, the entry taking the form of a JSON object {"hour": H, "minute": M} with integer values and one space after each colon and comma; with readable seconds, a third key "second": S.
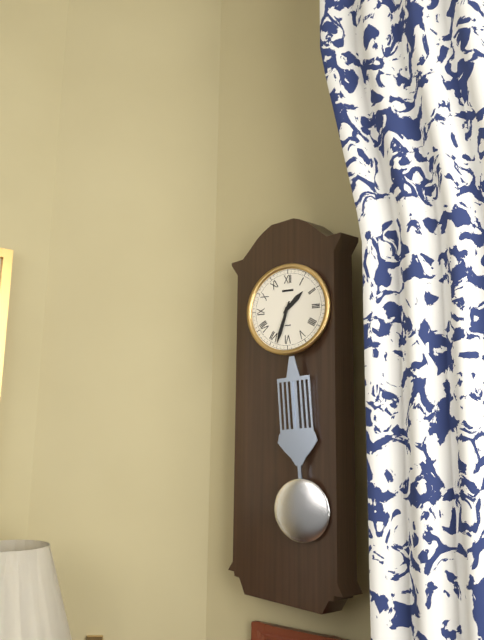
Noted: {"hour": 1, "minute": 33}
